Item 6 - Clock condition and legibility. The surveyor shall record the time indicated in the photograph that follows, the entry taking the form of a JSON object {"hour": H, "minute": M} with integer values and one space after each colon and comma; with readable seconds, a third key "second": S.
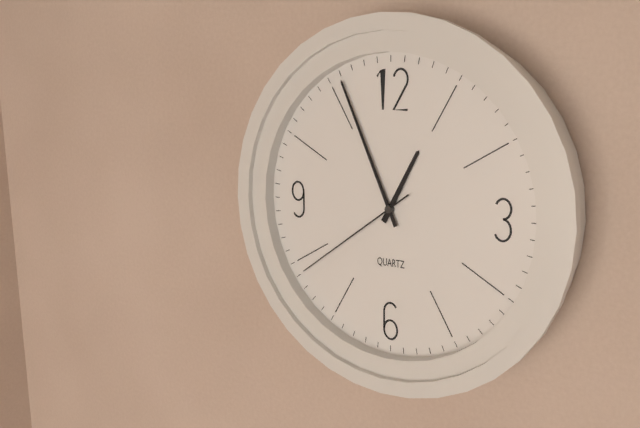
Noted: {"hour": 12, "minute": 56, "second": 39}
